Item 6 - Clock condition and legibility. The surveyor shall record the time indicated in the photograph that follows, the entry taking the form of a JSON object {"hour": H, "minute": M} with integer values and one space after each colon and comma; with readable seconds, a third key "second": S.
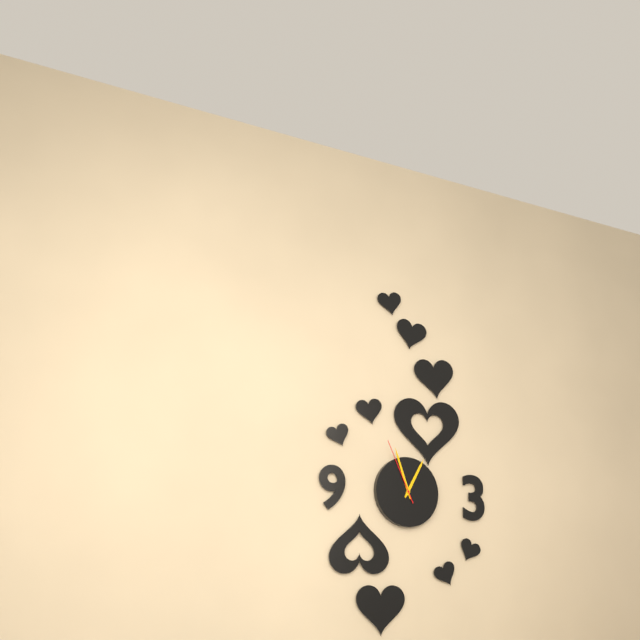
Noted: {"hour": 12, "minute": 57, "second": 56}
